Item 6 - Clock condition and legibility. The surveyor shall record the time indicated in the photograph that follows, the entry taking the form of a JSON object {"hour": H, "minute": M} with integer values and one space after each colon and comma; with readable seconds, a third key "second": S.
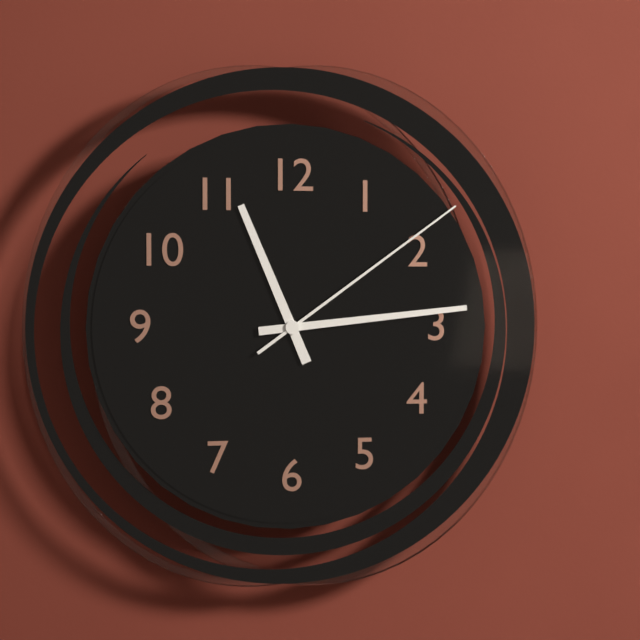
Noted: {"hour": 11, "minute": 14, "second": 9}
